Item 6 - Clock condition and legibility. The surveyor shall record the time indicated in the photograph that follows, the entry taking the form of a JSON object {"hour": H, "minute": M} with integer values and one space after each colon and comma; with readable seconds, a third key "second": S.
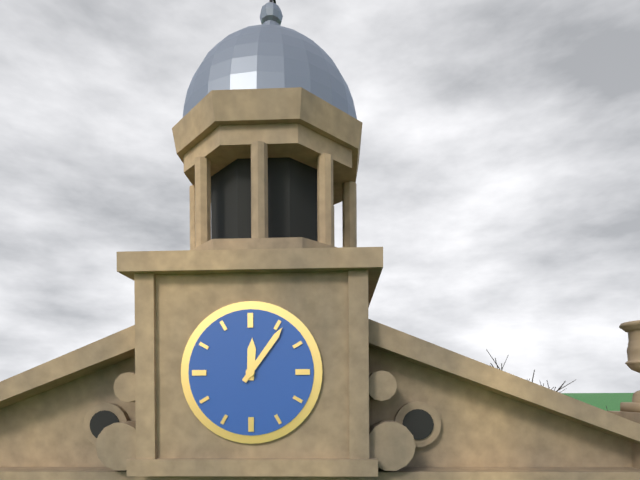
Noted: {"hour": 12, "minute": 6}
